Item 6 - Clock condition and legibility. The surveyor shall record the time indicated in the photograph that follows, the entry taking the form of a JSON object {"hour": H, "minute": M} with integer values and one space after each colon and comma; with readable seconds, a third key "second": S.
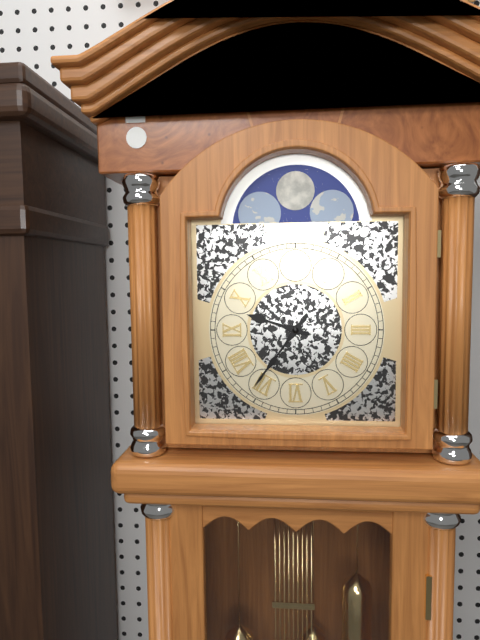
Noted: {"hour": 9, "minute": 36}
